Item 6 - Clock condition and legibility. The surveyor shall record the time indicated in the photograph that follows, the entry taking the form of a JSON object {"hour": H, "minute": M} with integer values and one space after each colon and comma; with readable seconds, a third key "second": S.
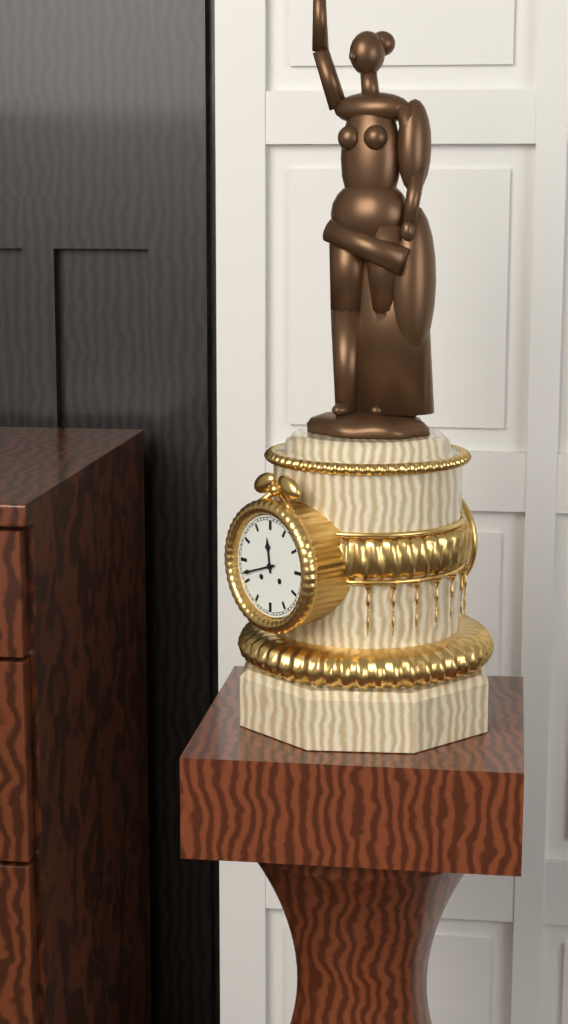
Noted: {"hour": 11, "minute": 42}
